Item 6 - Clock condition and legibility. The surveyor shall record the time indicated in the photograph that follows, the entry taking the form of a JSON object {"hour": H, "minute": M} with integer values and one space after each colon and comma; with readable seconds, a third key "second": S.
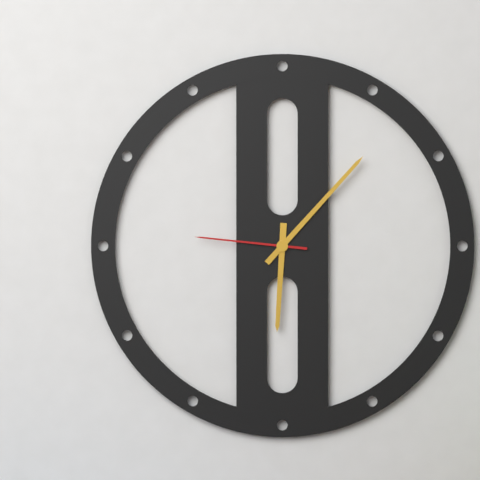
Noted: {"hour": 6, "minute": 7, "second": 46}
